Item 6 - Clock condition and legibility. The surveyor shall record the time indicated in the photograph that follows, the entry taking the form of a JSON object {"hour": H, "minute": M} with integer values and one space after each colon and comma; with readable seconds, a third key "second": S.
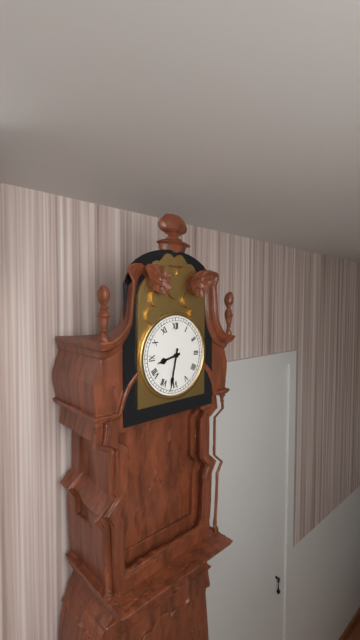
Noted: {"hour": 8, "minute": 32}
